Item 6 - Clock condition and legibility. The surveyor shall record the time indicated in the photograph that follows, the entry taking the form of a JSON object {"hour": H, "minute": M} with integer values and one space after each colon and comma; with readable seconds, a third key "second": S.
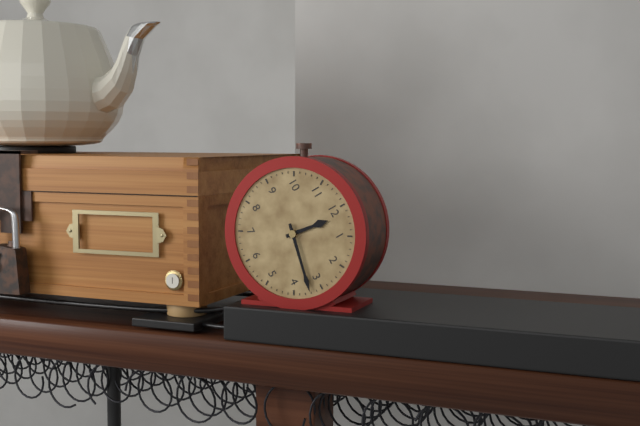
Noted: {"hour": 12, "minute": 17}
